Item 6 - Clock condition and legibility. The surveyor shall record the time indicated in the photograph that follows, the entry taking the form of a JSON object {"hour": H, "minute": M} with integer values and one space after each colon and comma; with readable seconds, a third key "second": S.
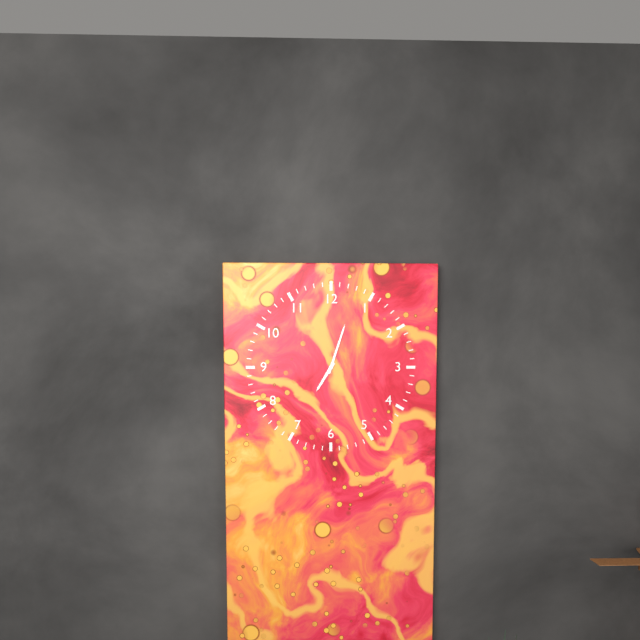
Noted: {"hour": 7, "minute": 3}
